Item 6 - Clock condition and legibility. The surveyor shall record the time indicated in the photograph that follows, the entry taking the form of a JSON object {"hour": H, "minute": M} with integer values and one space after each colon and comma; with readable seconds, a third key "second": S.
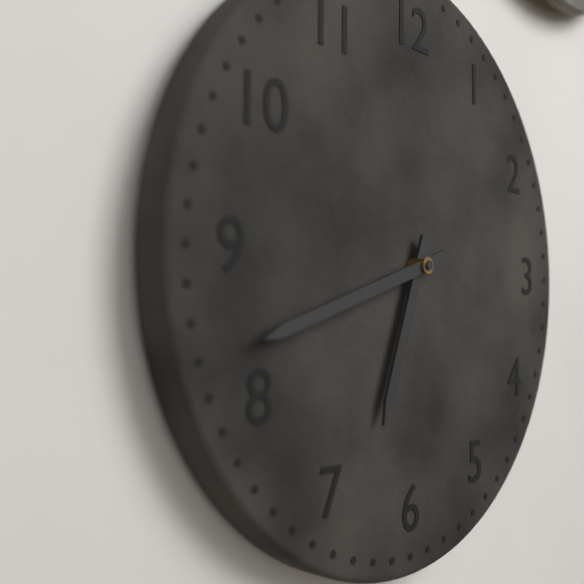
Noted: {"hour": 6, "minute": 42}
